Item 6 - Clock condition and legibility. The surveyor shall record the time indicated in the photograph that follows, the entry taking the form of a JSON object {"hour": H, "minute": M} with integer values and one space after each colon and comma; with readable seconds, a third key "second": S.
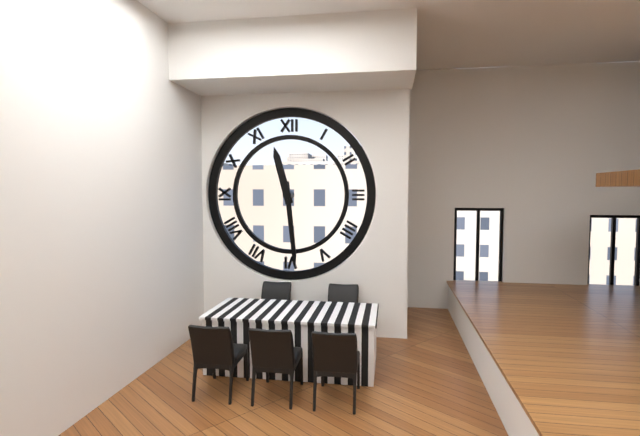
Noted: {"hour": 11, "minute": 29}
